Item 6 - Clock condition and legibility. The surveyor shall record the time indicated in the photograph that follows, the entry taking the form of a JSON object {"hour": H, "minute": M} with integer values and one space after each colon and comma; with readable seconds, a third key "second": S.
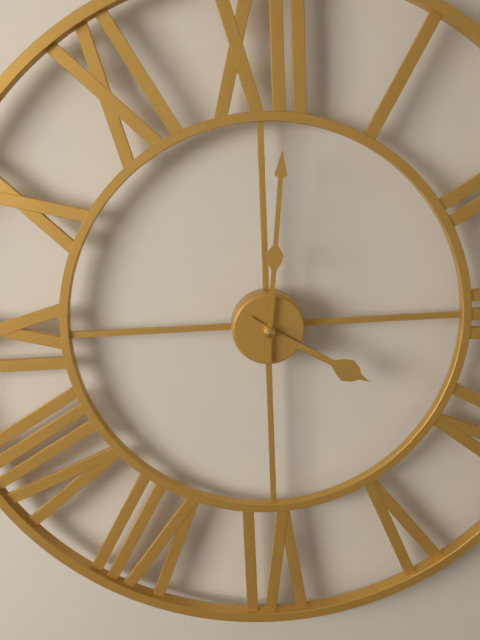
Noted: {"hour": 4, "minute": 1}
